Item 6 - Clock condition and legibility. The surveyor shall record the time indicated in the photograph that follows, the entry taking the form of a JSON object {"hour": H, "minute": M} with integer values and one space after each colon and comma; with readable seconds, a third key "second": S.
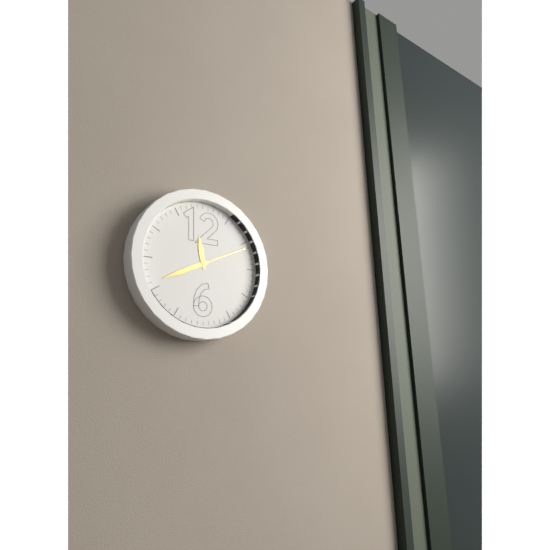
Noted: {"hour": 11, "minute": 41, "second": 11}
